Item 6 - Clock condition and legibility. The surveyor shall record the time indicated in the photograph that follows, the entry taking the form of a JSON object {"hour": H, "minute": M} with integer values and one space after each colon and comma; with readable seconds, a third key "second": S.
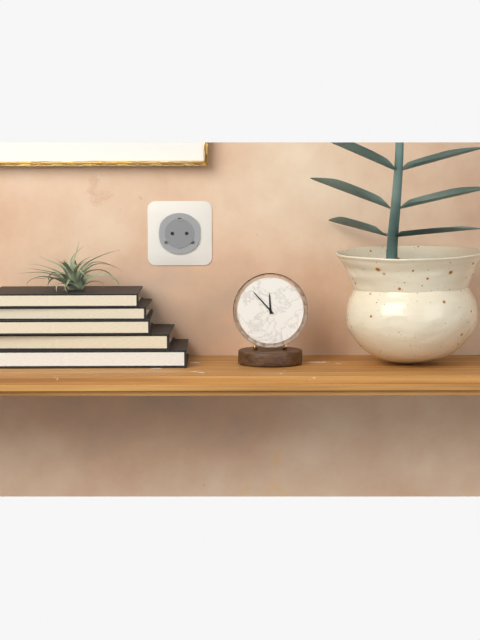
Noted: {"hour": 11, "minute": 53}
